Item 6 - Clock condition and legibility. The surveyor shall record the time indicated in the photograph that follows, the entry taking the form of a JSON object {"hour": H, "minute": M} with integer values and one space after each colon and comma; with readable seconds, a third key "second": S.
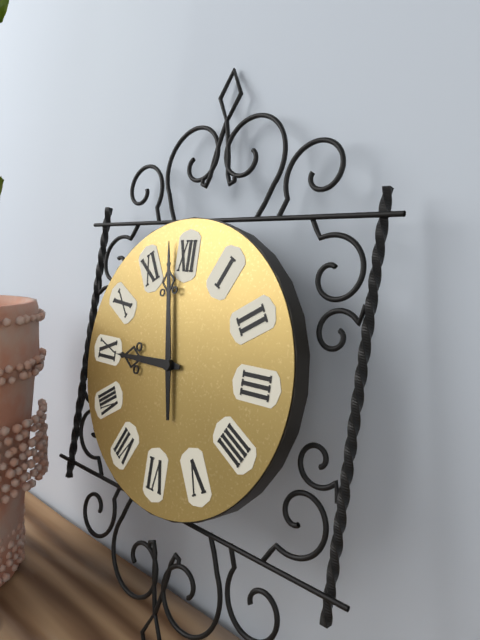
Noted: {"hour": 8, "minute": 58}
